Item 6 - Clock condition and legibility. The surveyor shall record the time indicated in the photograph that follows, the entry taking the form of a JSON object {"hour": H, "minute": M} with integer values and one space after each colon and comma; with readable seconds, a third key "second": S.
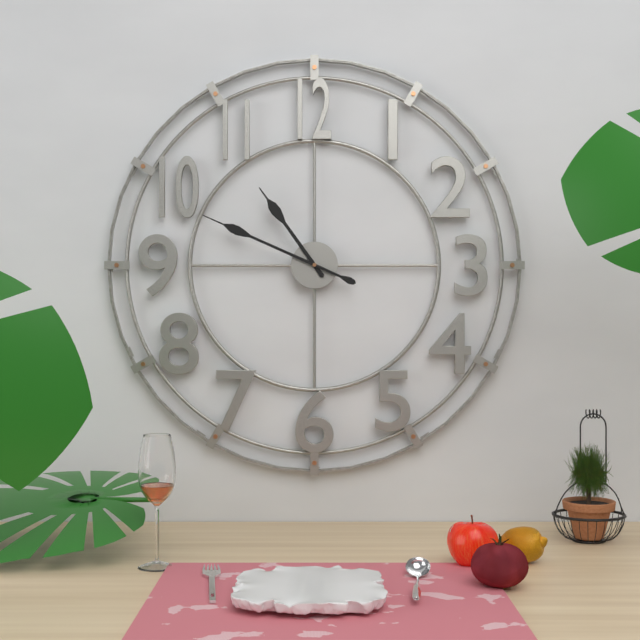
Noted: {"hour": 10, "minute": 49}
